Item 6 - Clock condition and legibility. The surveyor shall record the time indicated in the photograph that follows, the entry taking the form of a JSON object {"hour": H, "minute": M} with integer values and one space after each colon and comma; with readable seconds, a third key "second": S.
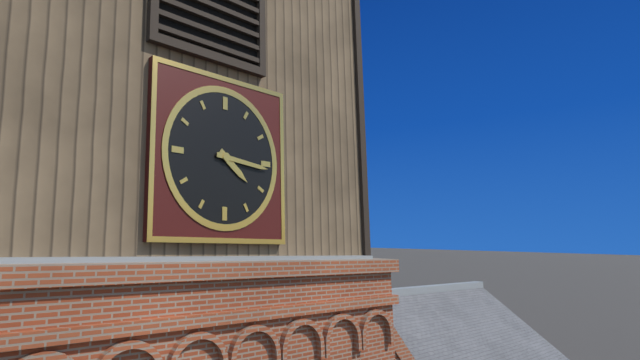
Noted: {"hour": 4, "minute": 16}
